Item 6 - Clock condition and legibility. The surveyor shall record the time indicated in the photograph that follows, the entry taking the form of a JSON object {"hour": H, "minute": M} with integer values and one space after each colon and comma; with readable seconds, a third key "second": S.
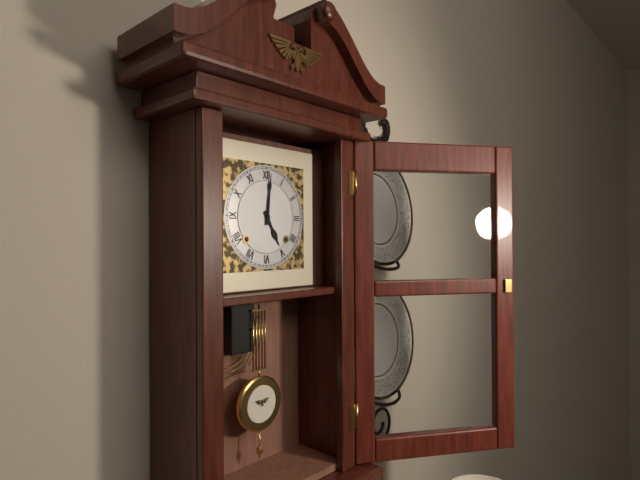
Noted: {"hour": 5, "minute": 1}
